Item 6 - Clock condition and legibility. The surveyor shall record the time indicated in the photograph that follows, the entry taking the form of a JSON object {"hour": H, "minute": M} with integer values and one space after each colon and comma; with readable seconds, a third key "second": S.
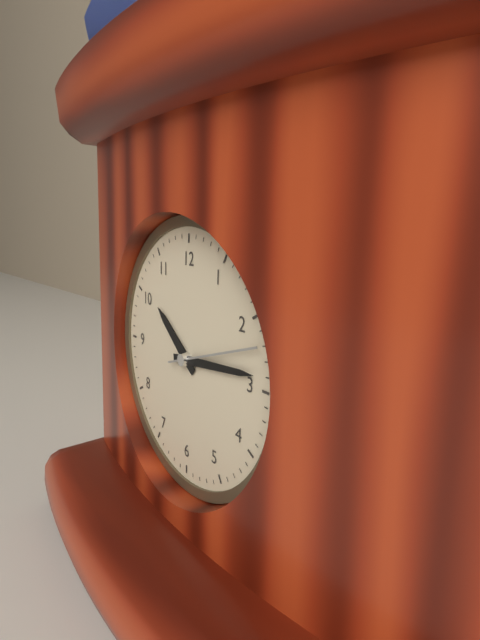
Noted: {"hour": 10, "minute": 14, "second": 12}
